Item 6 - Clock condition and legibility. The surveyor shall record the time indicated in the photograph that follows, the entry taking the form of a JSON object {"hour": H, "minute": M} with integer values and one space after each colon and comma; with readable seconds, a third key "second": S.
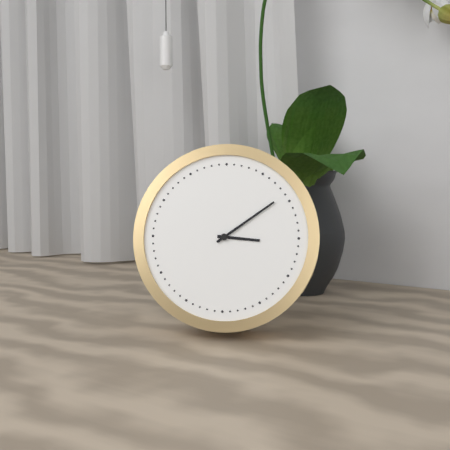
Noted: {"hour": 3, "minute": 9}
